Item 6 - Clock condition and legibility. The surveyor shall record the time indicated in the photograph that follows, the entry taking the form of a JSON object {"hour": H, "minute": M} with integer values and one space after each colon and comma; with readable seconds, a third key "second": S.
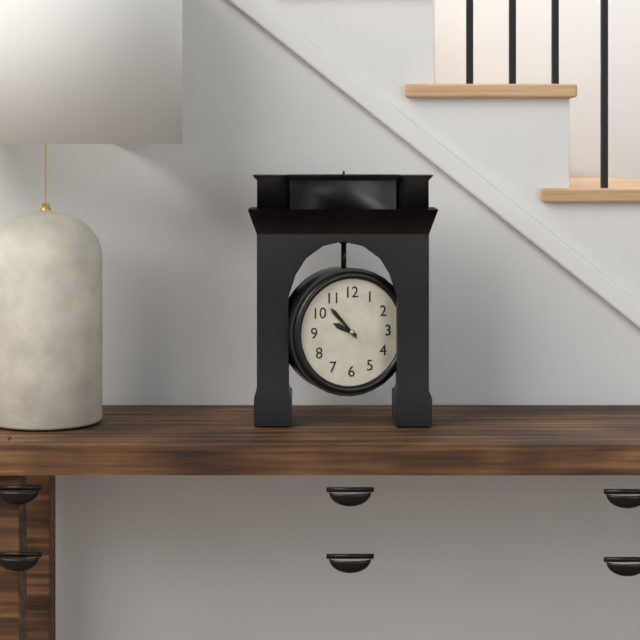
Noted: {"hour": 9, "minute": 53}
